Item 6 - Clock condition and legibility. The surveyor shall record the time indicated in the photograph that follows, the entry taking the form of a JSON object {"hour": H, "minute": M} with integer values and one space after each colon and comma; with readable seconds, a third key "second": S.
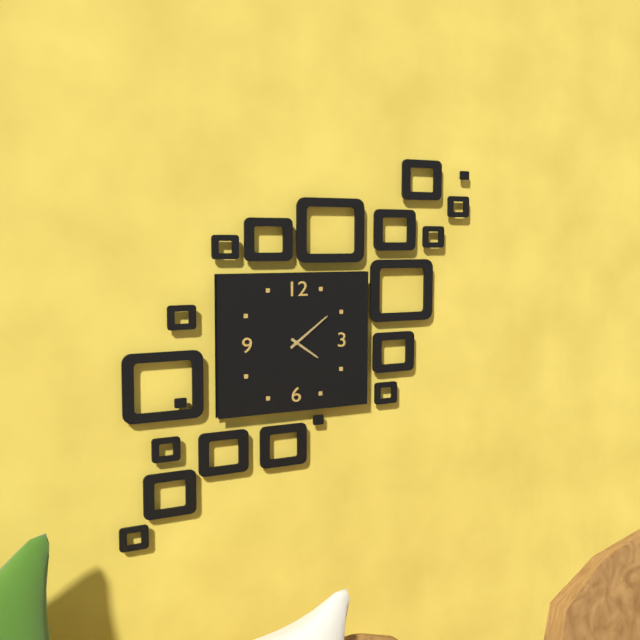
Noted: {"hour": 4, "minute": 9}
